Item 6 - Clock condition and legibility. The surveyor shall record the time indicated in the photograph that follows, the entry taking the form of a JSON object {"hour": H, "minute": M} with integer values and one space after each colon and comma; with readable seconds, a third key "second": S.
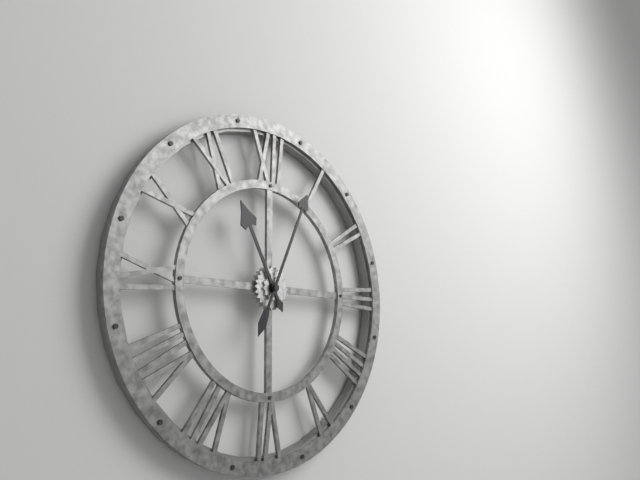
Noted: {"hour": 11, "minute": 4}
